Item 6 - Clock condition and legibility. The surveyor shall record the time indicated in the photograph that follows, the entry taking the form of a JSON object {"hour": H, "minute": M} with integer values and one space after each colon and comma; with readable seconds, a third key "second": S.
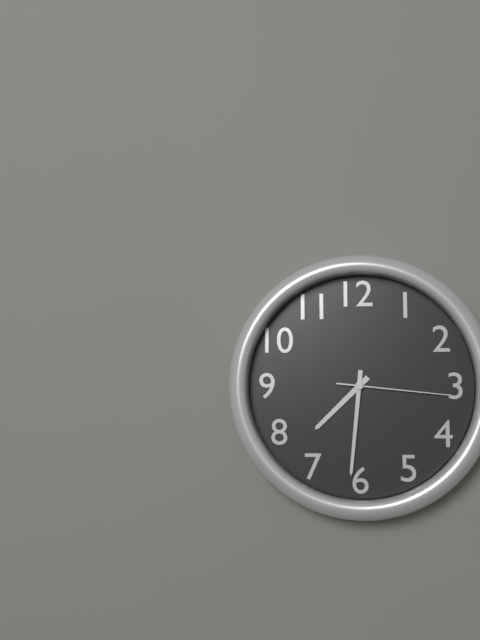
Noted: {"hour": 7, "minute": 31, "second": 16}
